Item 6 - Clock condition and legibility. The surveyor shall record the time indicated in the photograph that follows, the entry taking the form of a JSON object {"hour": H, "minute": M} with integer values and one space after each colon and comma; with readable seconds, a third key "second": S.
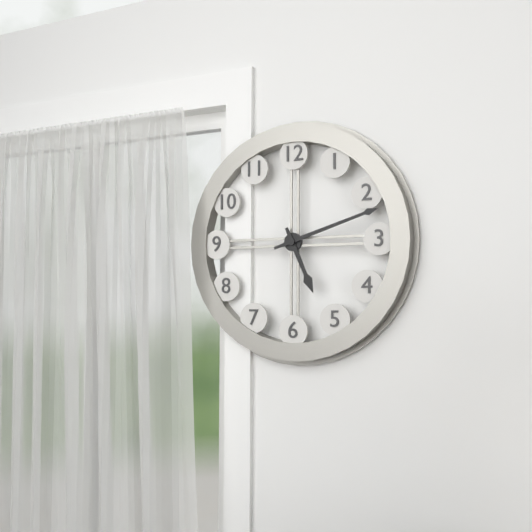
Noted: {"hour": 5, "minute": 12}
